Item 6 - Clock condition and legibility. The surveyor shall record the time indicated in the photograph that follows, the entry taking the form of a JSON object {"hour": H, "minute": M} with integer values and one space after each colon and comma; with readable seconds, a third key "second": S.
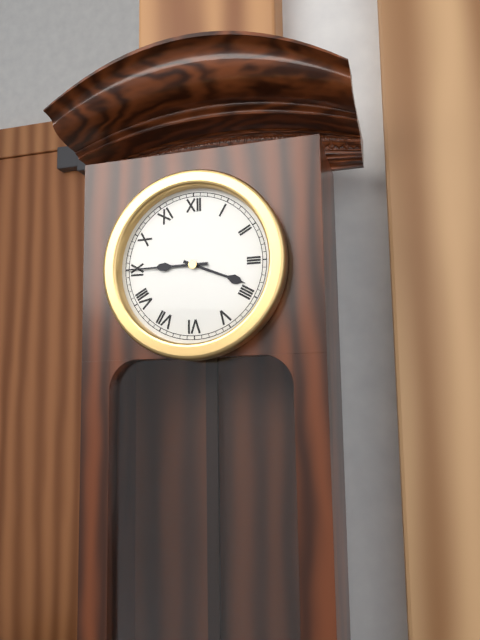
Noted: {"hour": 3, "minute": 45}
